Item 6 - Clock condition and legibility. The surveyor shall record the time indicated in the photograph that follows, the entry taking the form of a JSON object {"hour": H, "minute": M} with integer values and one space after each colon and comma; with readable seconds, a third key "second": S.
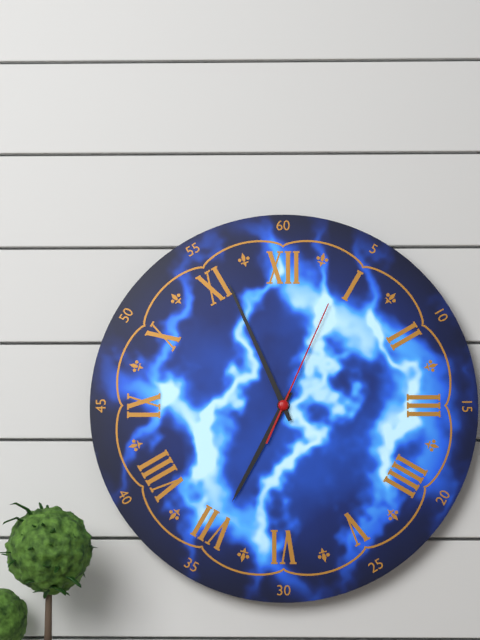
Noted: {"hour": 6, "minute": 56, "second": 4}
